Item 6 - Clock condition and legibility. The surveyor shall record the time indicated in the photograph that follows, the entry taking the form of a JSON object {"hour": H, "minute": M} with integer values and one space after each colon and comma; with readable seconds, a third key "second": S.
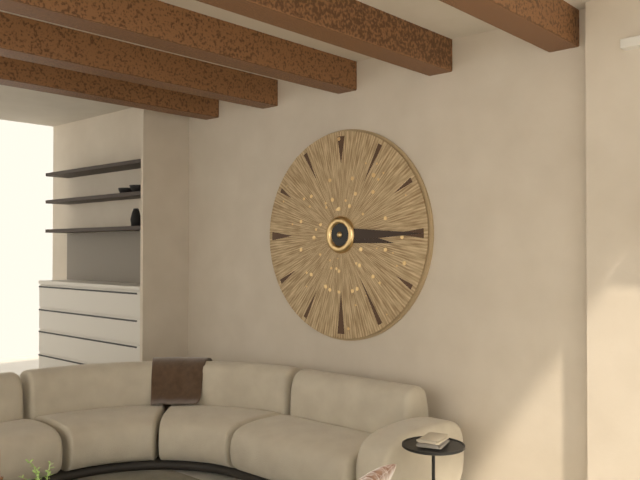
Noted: {"hour": 3, "minute": 15}
